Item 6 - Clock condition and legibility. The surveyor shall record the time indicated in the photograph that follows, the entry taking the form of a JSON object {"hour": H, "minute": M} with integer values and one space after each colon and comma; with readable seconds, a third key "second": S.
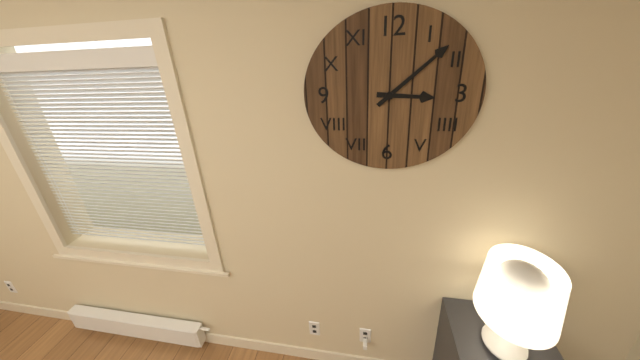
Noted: {"hour": 3, "minute": 8}
